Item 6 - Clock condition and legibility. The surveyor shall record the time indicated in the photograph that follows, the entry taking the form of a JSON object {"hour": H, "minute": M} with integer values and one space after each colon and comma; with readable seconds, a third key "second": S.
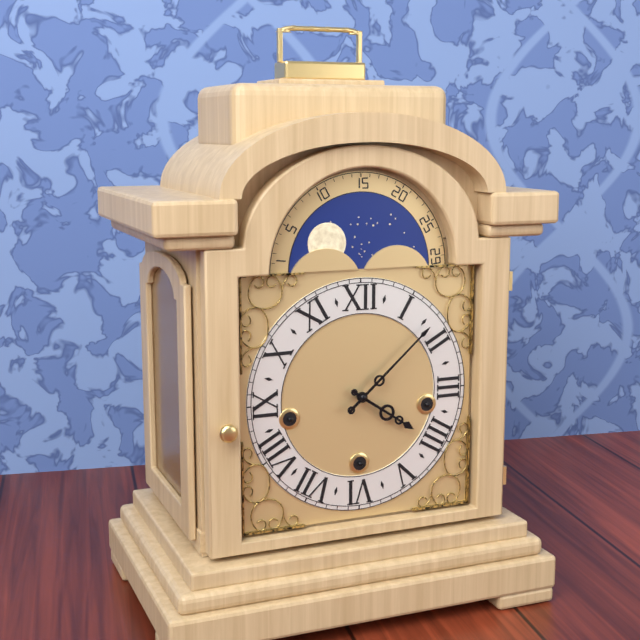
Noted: {"hour": 4, "minute": 8}
